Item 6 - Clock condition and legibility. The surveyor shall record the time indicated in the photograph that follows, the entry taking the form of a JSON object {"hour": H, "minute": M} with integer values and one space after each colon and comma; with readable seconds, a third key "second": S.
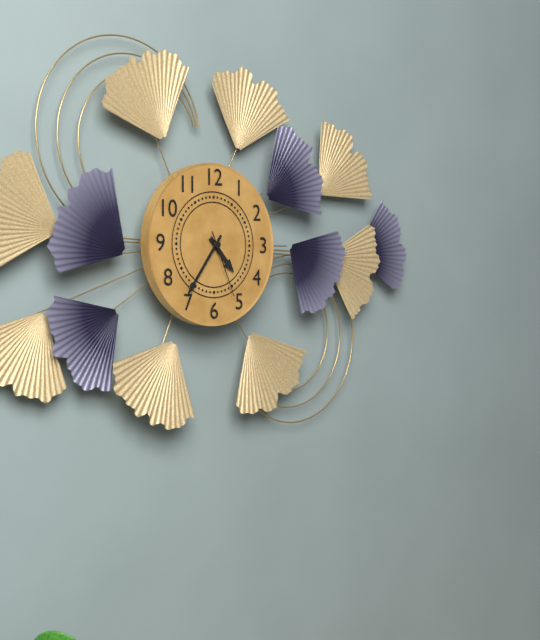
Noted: {"hour": 4, "minute": 36, "second": 26}
